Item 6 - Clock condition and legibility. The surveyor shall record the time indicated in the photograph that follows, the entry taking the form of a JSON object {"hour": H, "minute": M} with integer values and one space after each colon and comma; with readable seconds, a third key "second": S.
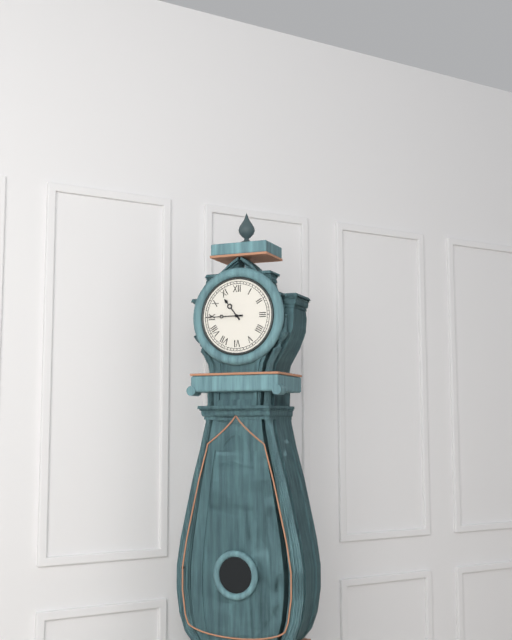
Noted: {"hour": 10, "minute": 45}
